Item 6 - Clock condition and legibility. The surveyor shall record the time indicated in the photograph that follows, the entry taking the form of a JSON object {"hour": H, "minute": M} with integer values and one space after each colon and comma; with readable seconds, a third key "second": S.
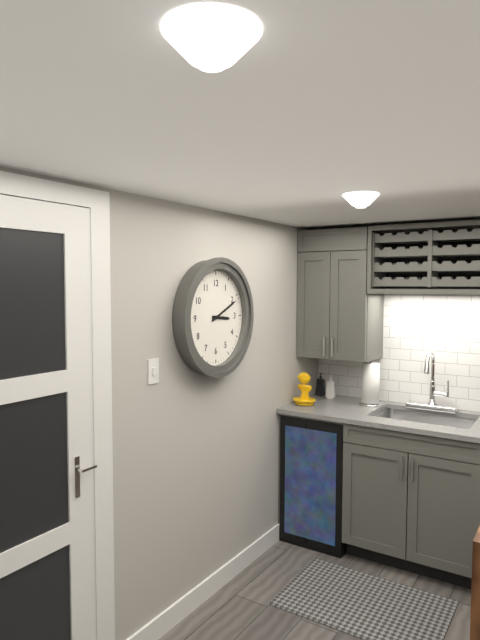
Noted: {"hour": 3, "minute": 11}
